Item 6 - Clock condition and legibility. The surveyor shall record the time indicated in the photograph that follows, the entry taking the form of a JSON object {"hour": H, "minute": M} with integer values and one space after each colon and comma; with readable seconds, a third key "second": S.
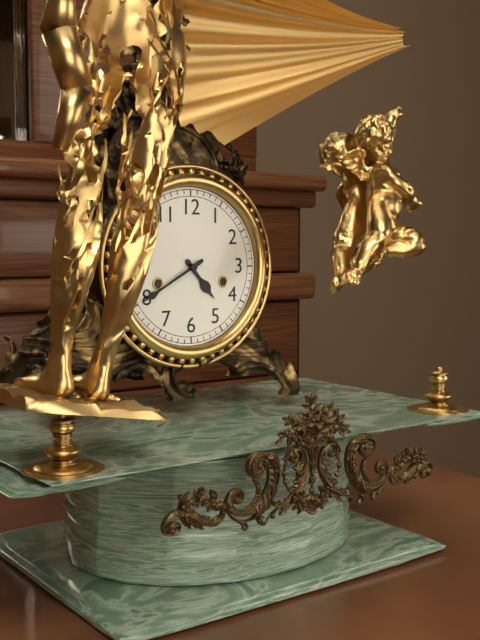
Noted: {"hour": 4, "minute": 40}
